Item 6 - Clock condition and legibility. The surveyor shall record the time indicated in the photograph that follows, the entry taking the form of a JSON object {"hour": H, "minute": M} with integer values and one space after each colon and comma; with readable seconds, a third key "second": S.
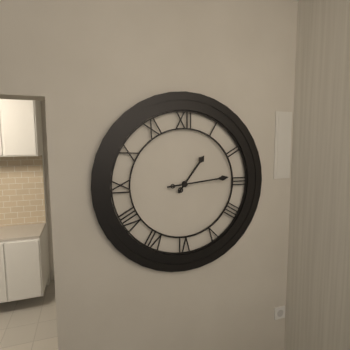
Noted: {"hour": 1, "minute": 14}
